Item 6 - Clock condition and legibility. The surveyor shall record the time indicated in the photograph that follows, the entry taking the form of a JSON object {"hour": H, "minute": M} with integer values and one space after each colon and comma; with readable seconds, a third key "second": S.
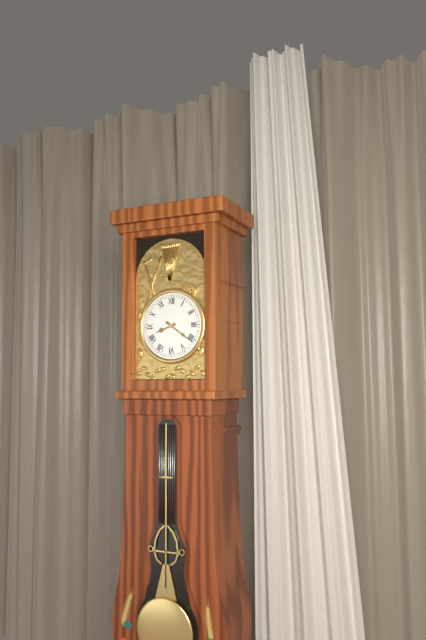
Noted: {"hour": 8, "minute": 21}
